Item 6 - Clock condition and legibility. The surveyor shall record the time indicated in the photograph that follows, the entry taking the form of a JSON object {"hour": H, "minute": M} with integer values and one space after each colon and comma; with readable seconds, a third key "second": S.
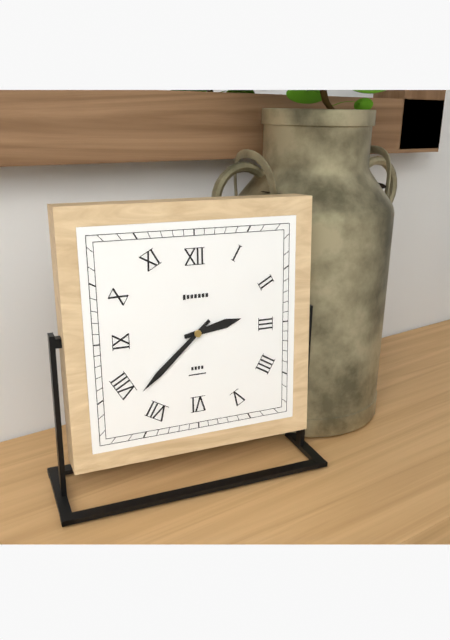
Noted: {"hour": 2, "minute": 38}
